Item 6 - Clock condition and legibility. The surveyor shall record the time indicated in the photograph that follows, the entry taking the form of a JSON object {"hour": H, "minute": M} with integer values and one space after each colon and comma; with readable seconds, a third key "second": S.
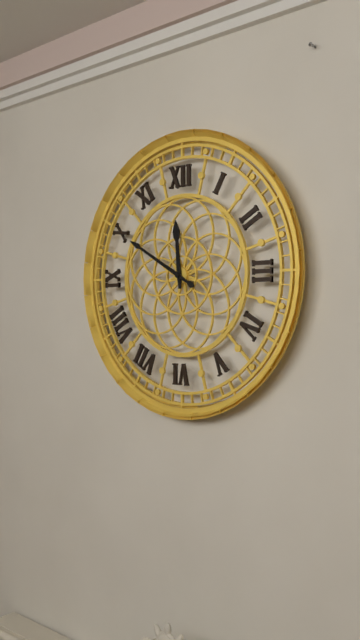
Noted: {"hour": 11, "minute": 50}
